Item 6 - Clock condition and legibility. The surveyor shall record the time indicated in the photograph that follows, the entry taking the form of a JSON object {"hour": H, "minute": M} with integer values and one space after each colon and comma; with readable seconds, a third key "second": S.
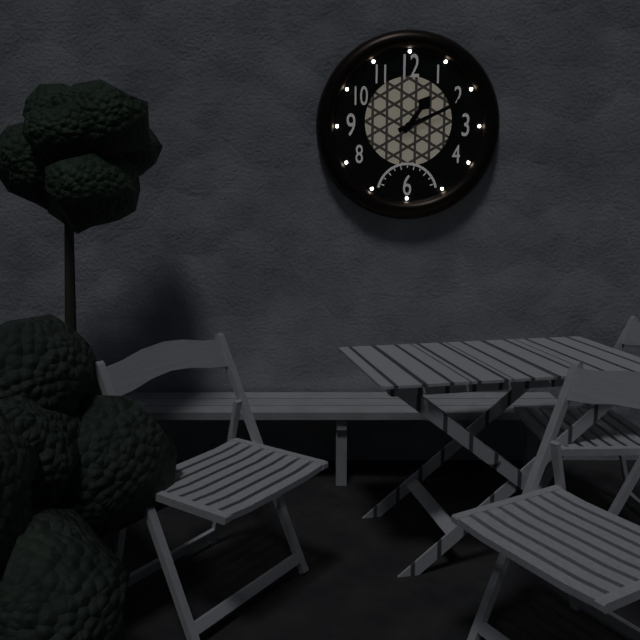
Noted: {"hour": 1, "minute": 11}
